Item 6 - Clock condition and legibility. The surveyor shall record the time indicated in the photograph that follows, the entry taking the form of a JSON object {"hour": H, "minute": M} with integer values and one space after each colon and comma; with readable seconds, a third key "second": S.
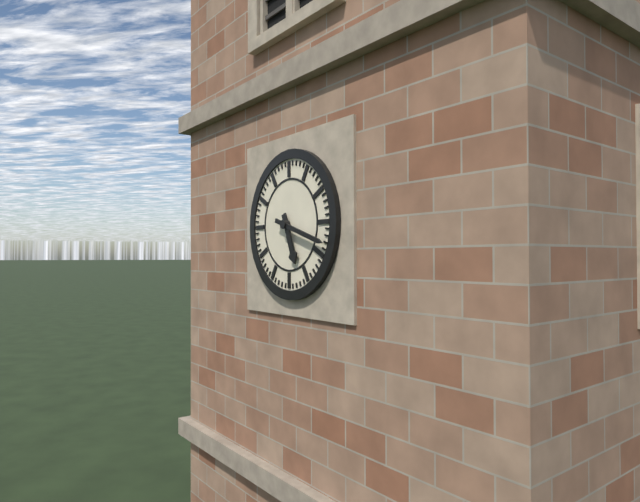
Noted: {"hour": 5, "minute": 18}
